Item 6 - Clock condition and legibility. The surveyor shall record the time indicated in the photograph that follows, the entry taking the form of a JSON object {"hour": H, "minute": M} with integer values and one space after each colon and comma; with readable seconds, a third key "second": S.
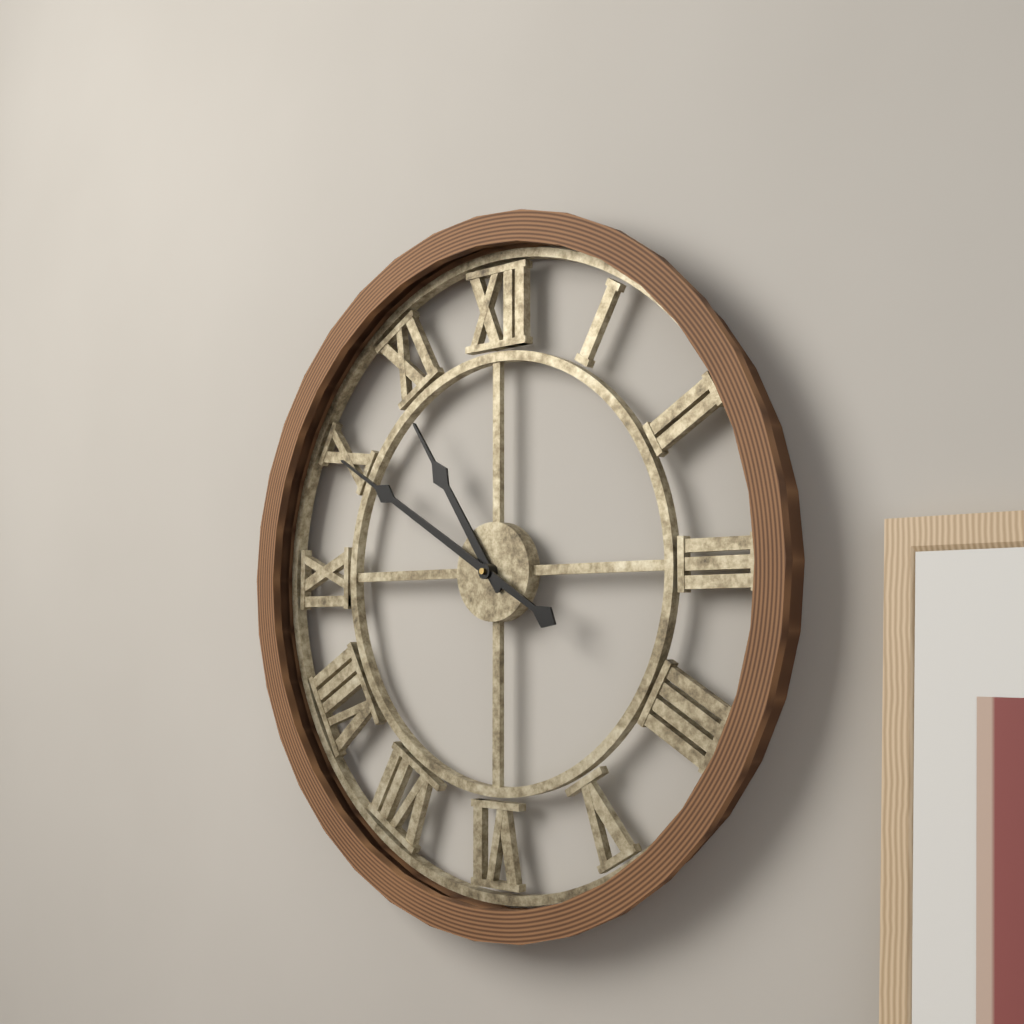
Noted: {"hour": 10, "minute": 50}
